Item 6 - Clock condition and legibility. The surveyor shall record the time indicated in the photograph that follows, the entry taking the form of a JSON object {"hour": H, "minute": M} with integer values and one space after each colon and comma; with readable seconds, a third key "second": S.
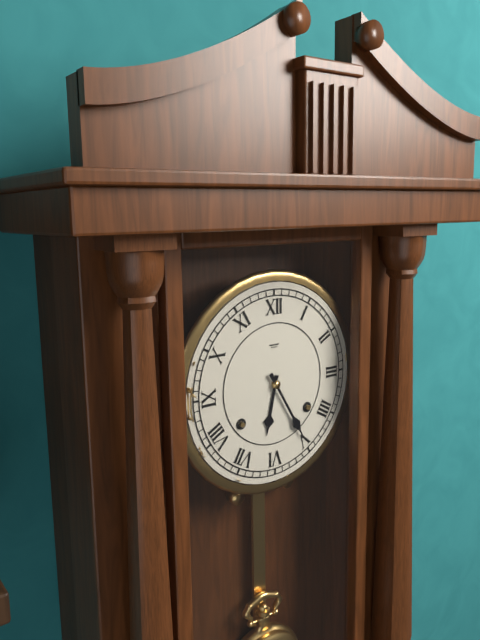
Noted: {"hour": 6, "minute": 25}
